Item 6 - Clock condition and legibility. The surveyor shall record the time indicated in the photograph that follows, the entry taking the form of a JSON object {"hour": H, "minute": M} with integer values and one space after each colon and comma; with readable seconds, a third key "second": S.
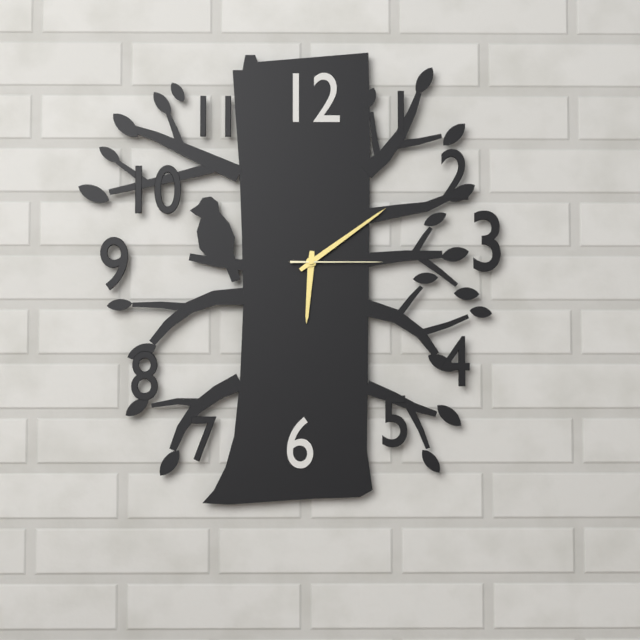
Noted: {"hour": 6, "minute": 9, "second": 15}
